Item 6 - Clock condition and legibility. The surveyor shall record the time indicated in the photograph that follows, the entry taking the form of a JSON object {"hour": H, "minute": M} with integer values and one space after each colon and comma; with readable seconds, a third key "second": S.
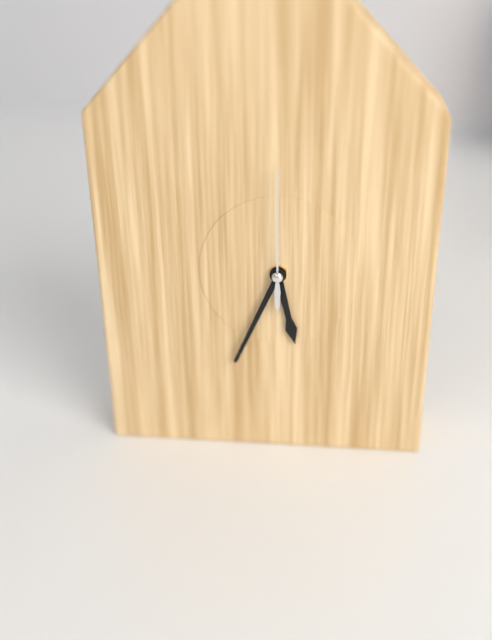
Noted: {"hour": 5, "minute": 34, "second": 0}
